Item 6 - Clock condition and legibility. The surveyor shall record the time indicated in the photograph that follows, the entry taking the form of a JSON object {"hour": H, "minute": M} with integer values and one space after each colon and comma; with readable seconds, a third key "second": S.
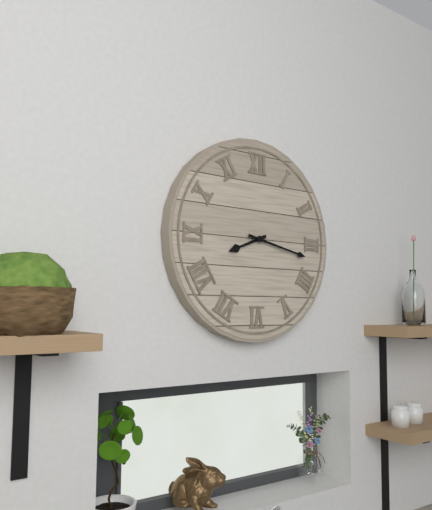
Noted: {"hour": 8, "minute": 17}
